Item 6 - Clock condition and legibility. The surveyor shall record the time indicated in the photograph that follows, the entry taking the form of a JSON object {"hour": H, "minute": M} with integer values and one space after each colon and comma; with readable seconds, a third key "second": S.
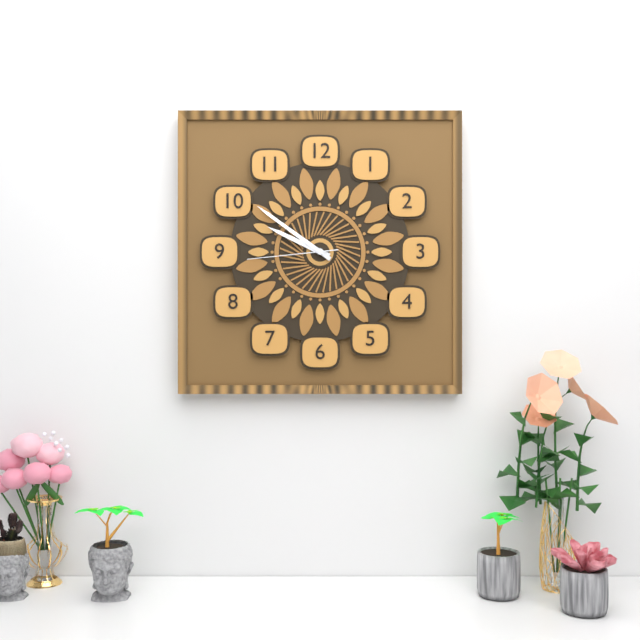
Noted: {"hour": 9, "minute": 51, "second": 44}
